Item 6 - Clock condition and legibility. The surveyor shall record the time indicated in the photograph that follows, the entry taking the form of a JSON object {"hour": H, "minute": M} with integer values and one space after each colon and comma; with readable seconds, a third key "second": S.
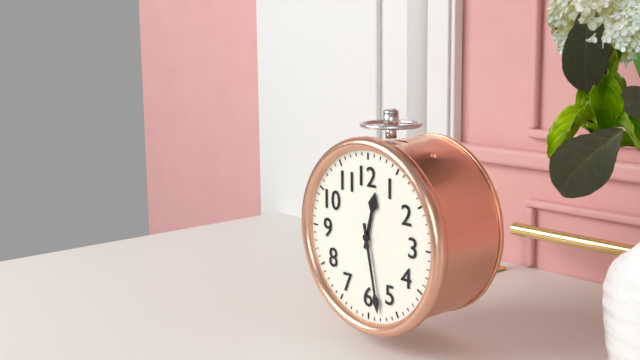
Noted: {"hour": 12, "minute": 28}
